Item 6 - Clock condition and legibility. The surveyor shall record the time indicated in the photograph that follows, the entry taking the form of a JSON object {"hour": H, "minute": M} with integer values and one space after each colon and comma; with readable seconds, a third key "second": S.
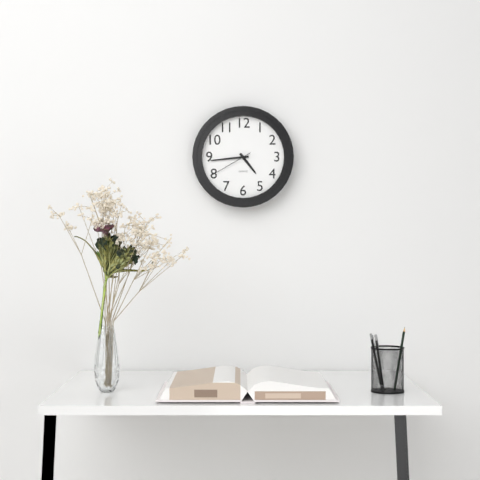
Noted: {"hour": 4, "minute": 44}
